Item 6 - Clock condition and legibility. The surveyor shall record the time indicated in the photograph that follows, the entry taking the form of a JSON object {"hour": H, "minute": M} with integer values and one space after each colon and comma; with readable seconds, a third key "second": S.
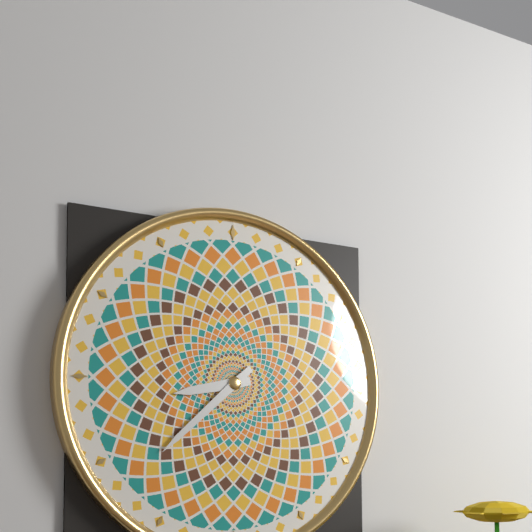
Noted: {"hour": 8, "minute": 38}
